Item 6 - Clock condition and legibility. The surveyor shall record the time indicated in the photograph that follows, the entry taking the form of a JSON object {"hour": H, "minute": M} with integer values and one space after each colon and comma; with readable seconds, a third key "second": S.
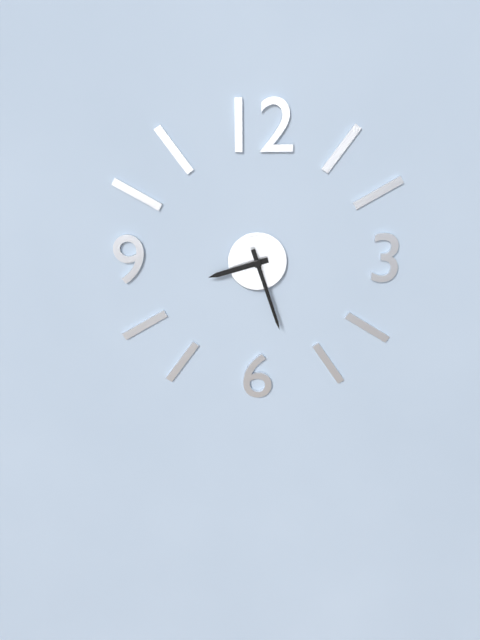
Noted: {"hour": 8, "minute": 27}
